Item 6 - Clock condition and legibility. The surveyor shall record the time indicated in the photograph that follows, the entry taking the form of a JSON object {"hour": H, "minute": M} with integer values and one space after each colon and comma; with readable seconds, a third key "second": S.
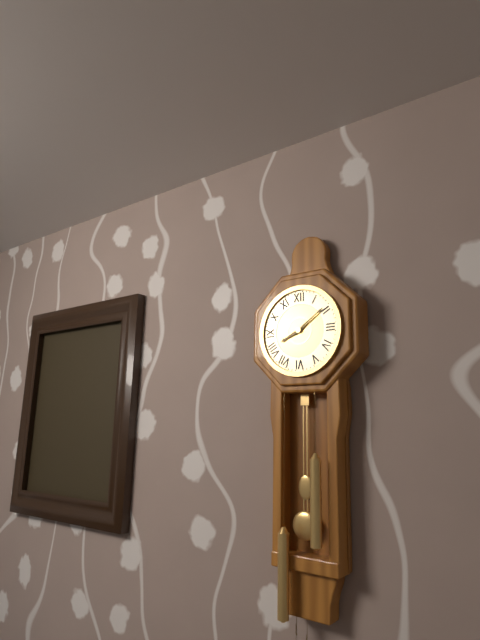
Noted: {"hour": 8, "minute": 9}
